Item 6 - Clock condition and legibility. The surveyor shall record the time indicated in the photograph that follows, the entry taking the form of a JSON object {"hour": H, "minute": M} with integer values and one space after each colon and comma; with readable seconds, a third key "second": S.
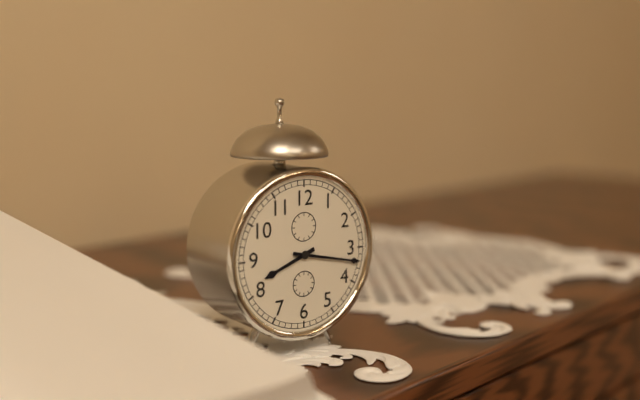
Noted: {"hour": 8, "minute": 17}
